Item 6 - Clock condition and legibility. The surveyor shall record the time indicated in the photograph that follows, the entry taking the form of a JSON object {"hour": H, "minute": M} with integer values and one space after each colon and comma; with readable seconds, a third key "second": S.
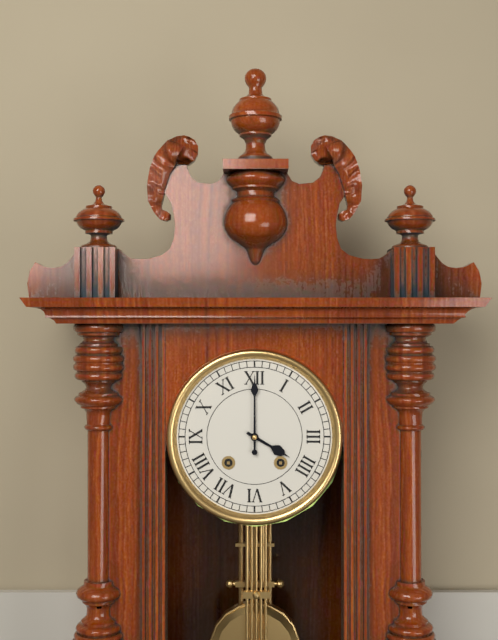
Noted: {"hour": 4, "minute": 0}
